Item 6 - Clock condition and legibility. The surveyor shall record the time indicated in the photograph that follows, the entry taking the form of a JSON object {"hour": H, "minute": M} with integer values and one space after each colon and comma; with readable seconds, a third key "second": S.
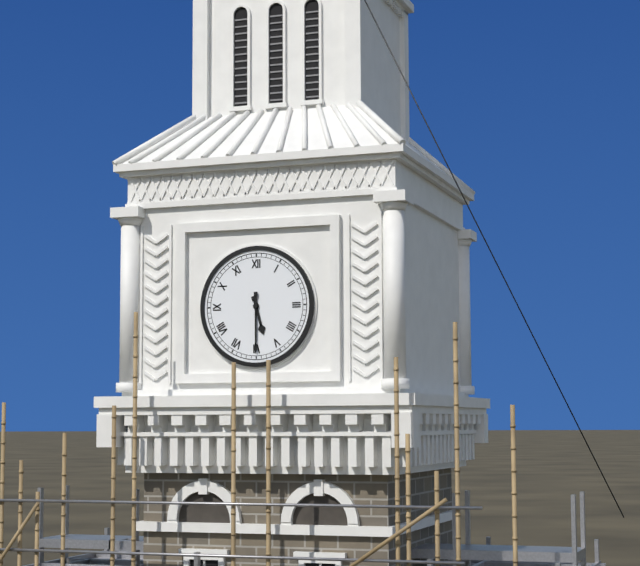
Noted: {"hour": 5, "minute": 30}
